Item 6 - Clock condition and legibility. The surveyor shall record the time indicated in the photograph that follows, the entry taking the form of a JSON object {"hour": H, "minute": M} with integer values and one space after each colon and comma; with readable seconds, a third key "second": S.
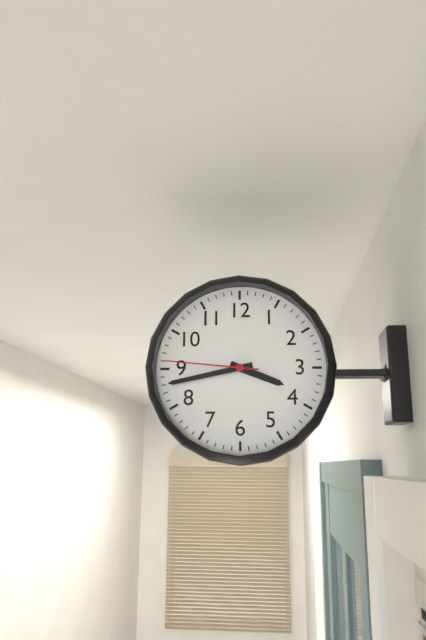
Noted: {"hour": 3, "minute": 43, "second": 46}
